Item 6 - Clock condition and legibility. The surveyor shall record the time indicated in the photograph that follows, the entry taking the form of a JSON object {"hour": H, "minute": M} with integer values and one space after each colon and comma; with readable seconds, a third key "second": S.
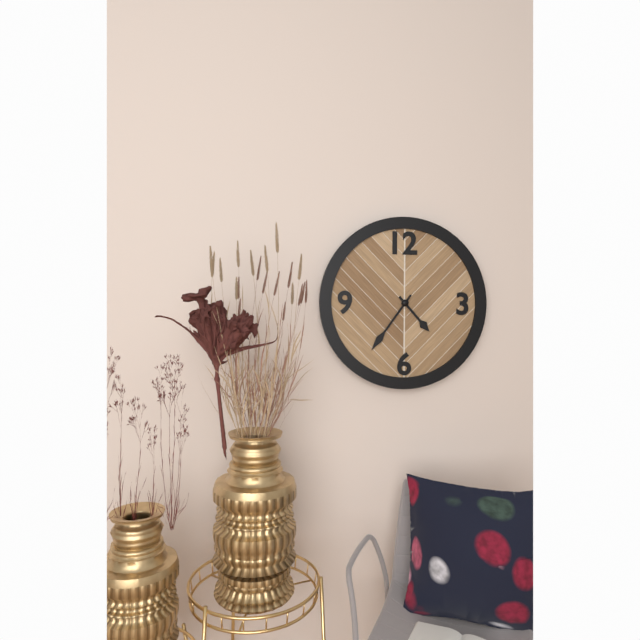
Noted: {"hour": 4, "minute": 36}
